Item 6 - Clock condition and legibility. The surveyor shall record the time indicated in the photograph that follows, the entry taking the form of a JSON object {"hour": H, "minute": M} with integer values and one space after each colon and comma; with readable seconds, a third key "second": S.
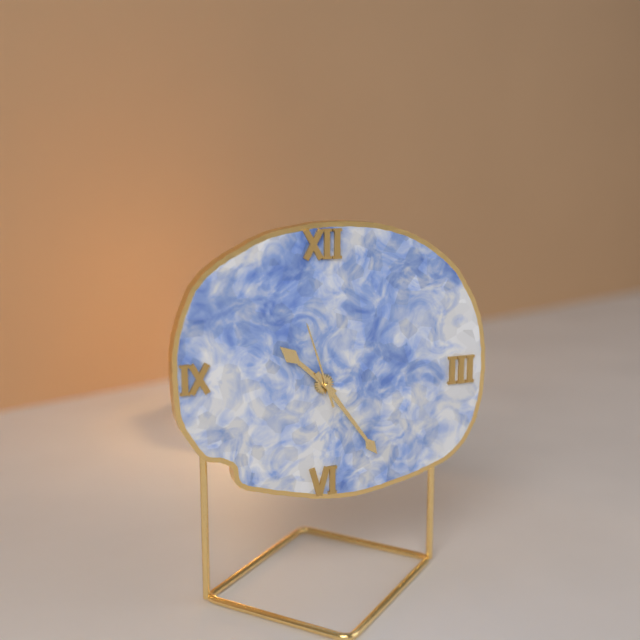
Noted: {"hour": 10, "minute": 24, "second": 57}
